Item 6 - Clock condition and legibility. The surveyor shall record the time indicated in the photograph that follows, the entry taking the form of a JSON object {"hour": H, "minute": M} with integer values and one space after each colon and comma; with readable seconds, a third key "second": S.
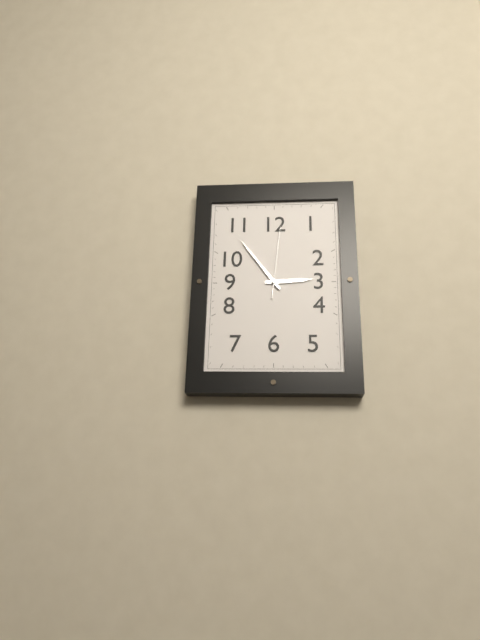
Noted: {"hour": 2, "minute": 54, "second": 1}
